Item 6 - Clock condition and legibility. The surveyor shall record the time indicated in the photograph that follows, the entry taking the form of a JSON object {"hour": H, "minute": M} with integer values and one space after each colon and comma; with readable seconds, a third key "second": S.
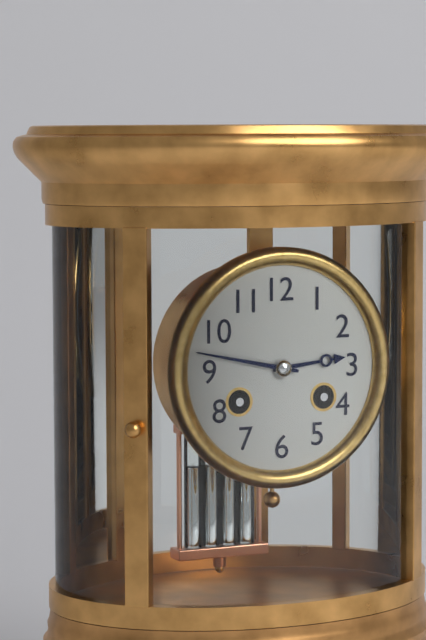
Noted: {"hour": 2, "minute": 47}
